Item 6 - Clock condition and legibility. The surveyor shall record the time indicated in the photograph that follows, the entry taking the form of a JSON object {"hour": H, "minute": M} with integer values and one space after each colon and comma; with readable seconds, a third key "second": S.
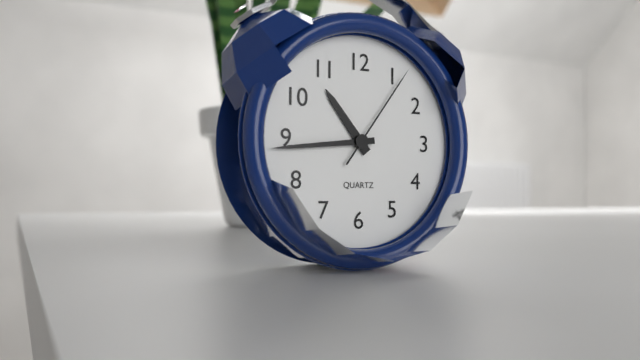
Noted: {"hour": 10, "minute": 44, "second": 6}
